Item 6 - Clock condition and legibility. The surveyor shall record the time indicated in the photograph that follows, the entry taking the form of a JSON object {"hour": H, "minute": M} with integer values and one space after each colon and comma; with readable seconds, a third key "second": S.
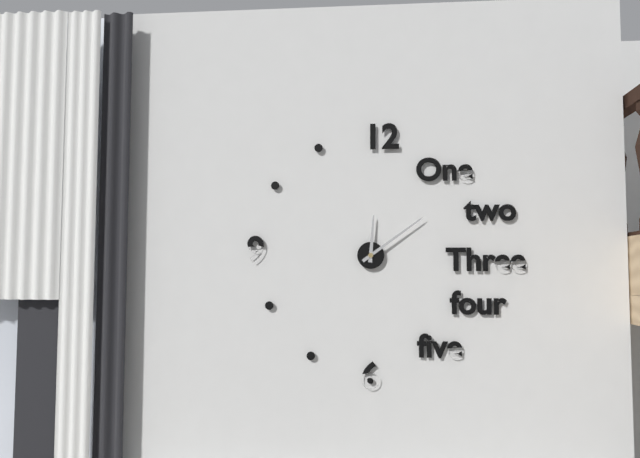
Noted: {"hour": 12, "minute": 9}
